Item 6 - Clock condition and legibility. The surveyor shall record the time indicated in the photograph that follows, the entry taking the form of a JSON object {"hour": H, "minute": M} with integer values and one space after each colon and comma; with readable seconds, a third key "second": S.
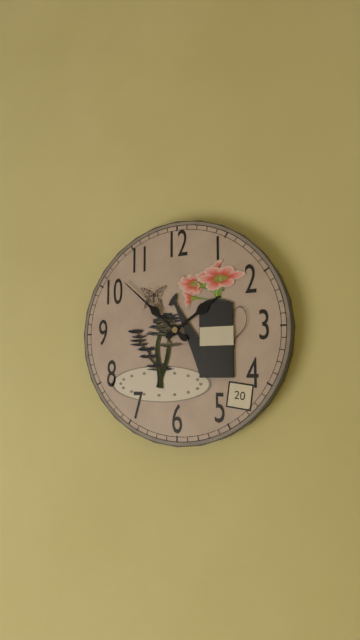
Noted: {"hour": 1, "minute": 52}
